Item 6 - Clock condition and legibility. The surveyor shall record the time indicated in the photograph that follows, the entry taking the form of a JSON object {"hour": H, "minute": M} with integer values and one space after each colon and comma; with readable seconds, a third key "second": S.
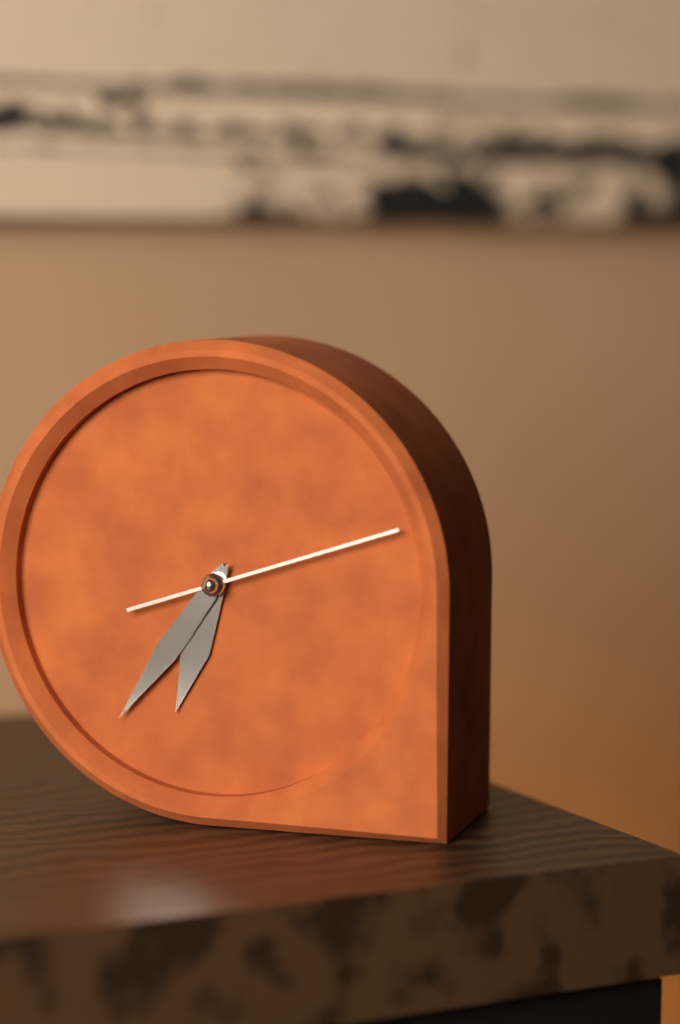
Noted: {"hour": 6, "minute": 36, "second": 12}
